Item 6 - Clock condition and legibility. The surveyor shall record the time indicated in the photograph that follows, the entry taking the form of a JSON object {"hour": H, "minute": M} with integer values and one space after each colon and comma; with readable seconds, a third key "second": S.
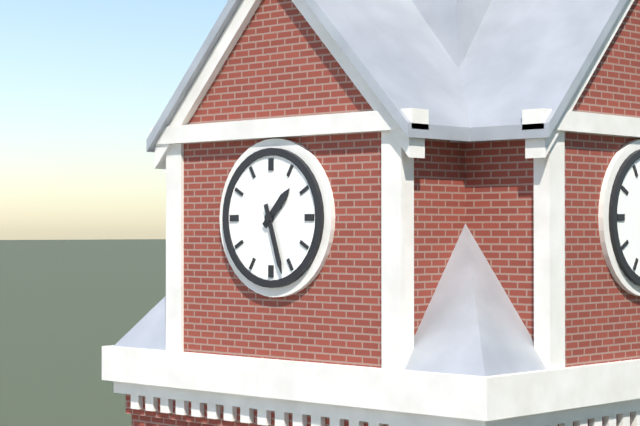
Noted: {"hour": 1, "minute": 27}
